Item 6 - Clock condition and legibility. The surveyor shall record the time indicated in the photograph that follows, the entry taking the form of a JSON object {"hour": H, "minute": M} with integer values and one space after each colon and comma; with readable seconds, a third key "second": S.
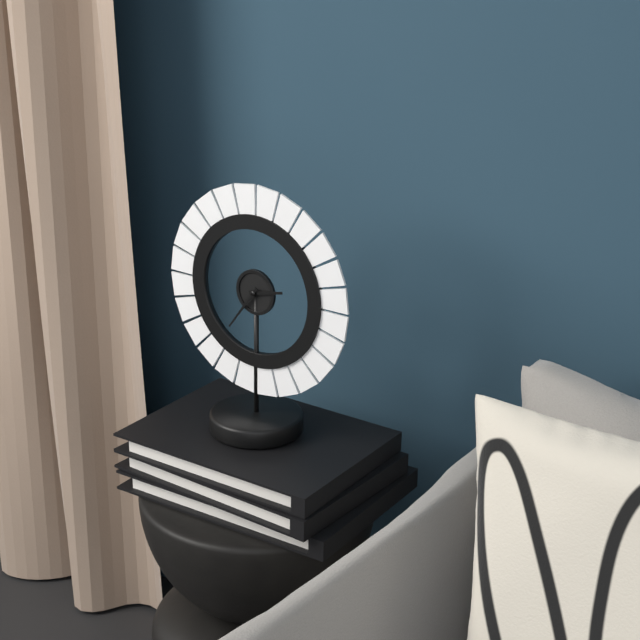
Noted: {"hour": 2, "minute": 36}
